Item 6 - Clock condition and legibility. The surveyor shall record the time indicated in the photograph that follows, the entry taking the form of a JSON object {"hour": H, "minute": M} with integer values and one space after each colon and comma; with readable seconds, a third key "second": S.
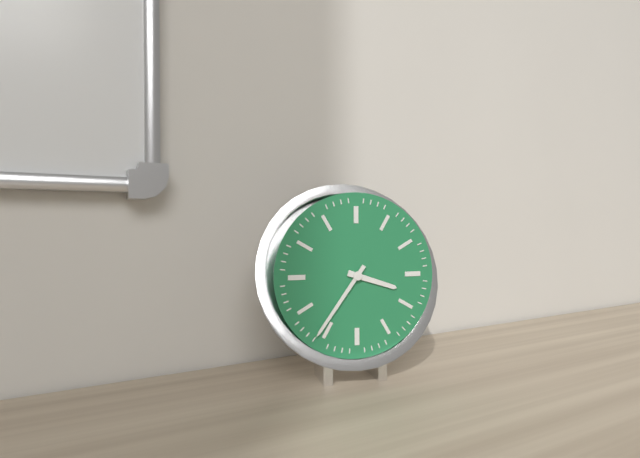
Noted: {"hour": 3, "minute": 36}
